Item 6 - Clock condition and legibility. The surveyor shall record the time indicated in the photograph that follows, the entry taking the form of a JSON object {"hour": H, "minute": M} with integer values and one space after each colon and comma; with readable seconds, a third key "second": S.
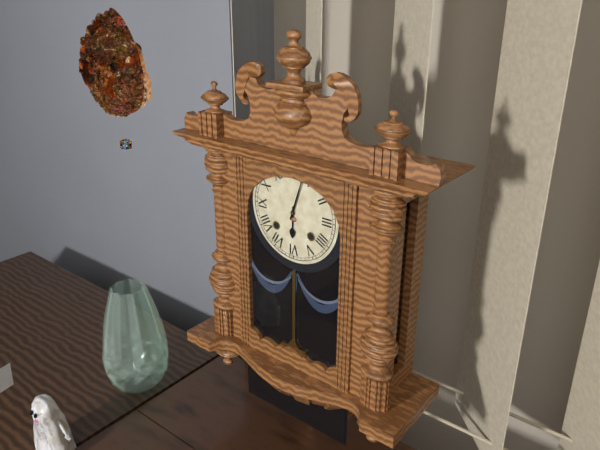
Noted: {"hour": 6, "minute": 3}
